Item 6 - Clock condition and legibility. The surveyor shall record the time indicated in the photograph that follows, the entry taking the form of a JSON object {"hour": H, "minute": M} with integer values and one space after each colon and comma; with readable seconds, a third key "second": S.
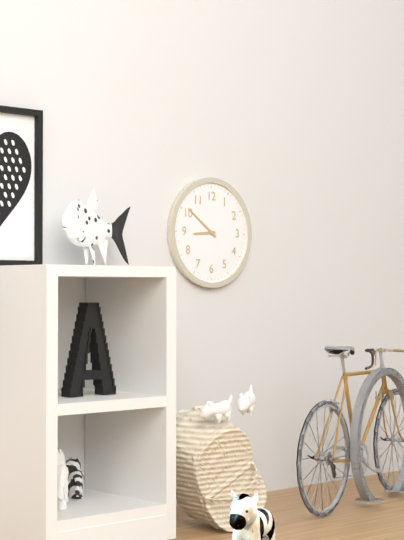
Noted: {"hour": 8, "minute": 51}
